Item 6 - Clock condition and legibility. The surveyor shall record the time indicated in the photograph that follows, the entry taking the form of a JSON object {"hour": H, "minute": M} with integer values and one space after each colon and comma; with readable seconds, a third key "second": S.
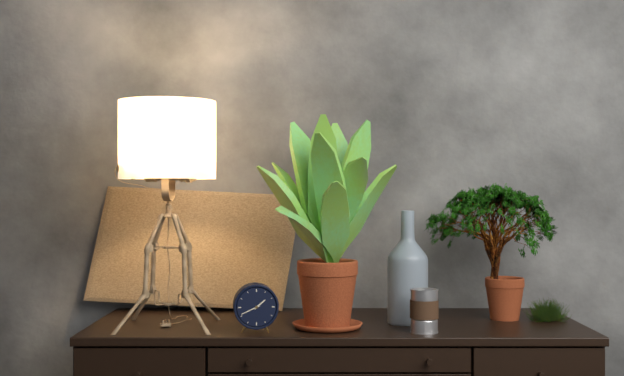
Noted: {"hour": 1, "minute": 41}
